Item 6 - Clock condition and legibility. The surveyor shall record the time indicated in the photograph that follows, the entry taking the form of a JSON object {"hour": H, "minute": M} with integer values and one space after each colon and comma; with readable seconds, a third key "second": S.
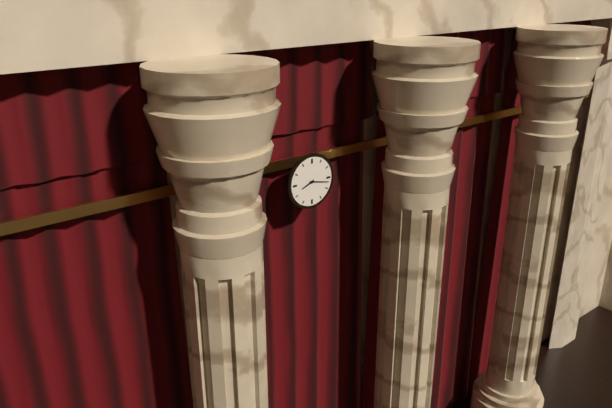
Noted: {"hour": 8, "minute": 17}
